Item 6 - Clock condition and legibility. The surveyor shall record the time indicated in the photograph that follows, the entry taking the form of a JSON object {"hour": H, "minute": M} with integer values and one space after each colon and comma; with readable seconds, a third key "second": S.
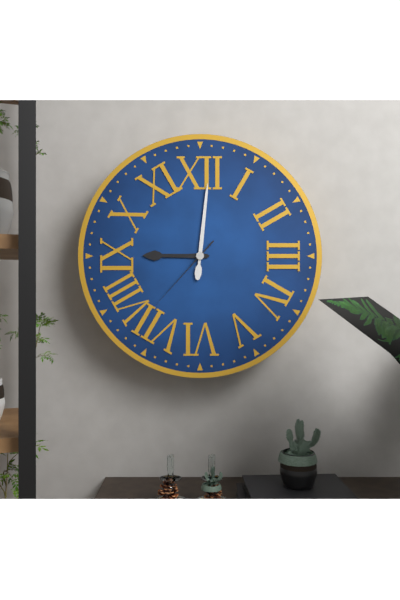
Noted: {"hour": 9, "minute": 1, "second": 37}
